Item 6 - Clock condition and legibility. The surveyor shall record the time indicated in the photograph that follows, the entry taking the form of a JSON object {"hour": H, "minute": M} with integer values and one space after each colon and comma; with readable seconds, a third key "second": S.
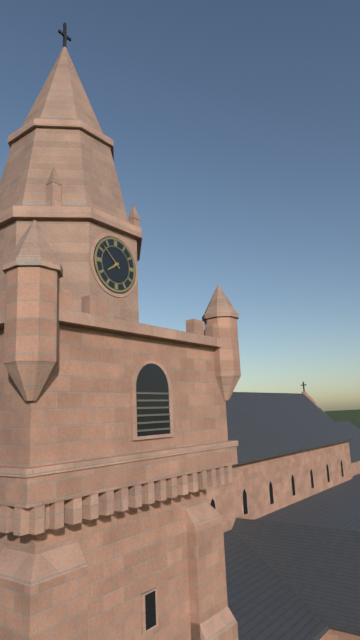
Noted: {"hour": 7, "minute": 52}
